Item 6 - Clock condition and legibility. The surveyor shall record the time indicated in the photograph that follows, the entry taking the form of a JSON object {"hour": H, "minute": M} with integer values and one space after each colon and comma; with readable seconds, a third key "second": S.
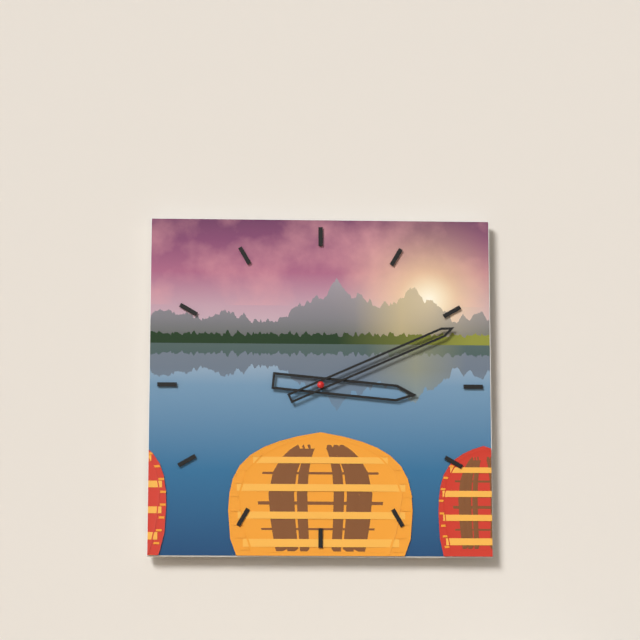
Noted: {"hour": 3, "minute": 11}
